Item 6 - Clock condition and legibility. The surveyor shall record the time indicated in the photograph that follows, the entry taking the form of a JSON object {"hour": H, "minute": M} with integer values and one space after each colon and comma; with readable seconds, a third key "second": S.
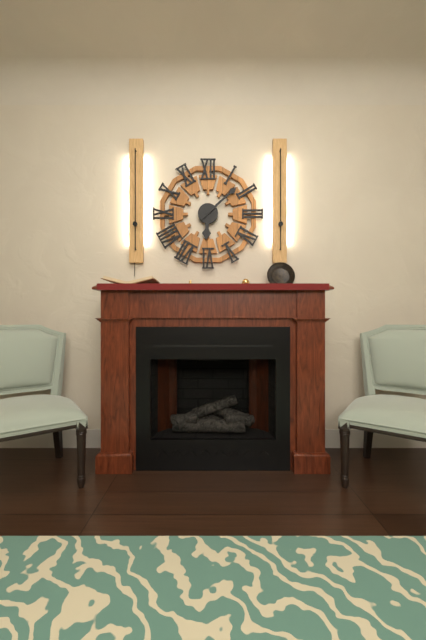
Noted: {"hour": 6, "minute": 8}
